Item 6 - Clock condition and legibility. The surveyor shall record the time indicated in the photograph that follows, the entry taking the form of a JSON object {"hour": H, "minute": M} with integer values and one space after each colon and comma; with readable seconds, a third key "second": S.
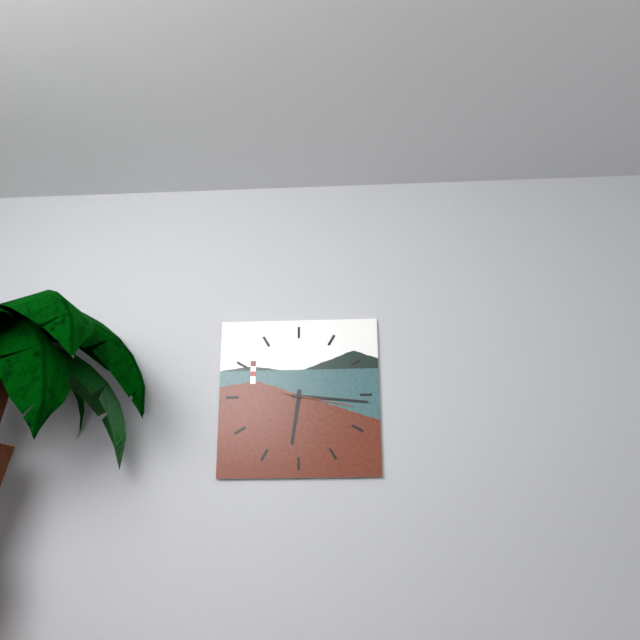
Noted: {"hour": 6, "minute": 16, "second": 17}
